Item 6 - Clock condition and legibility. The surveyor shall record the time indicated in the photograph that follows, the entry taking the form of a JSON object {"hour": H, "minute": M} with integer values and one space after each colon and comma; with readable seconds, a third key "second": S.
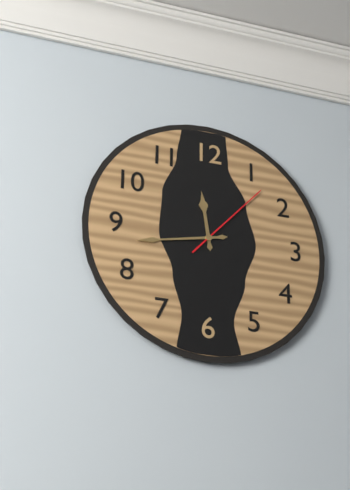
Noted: {"hour": 11, "minute": 43, "second": 7}
